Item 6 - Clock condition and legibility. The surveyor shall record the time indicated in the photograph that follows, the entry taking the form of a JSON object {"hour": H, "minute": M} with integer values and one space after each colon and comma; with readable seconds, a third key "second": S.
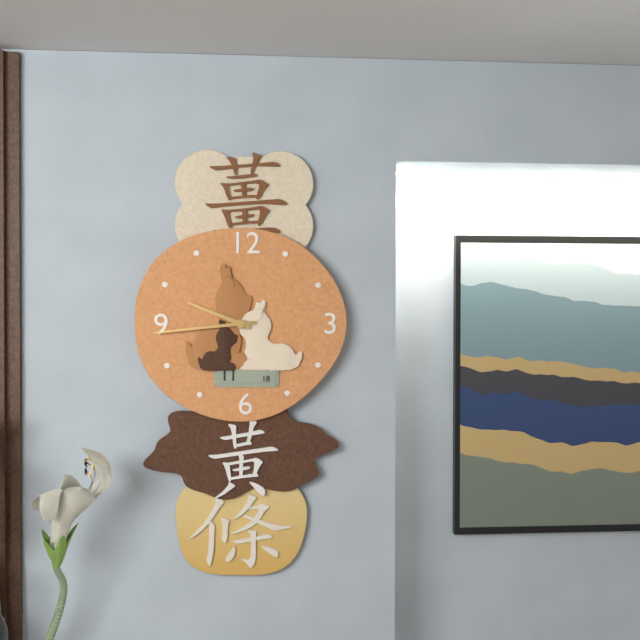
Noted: {"hour": 9, "minute": 44}
